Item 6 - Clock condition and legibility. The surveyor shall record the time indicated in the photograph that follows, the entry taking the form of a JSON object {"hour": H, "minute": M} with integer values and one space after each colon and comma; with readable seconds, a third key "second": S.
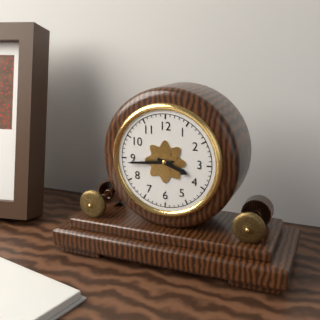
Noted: {"hour": 3, "minute": 44}
